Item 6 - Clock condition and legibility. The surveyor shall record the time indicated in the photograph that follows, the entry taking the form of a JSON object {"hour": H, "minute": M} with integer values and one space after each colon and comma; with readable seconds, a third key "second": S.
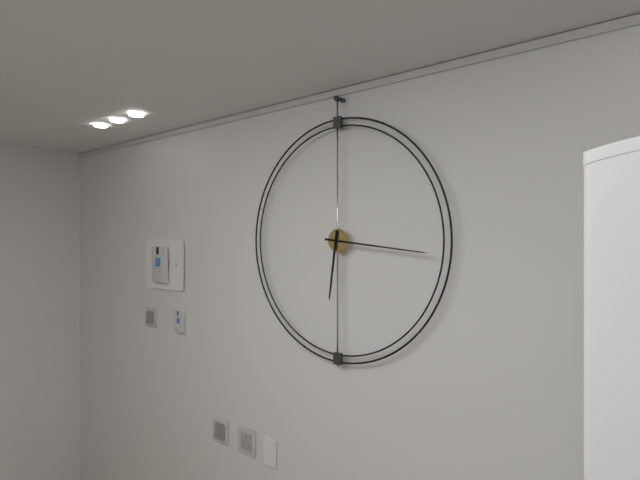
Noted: {"hour": 6, "minute": 16}
